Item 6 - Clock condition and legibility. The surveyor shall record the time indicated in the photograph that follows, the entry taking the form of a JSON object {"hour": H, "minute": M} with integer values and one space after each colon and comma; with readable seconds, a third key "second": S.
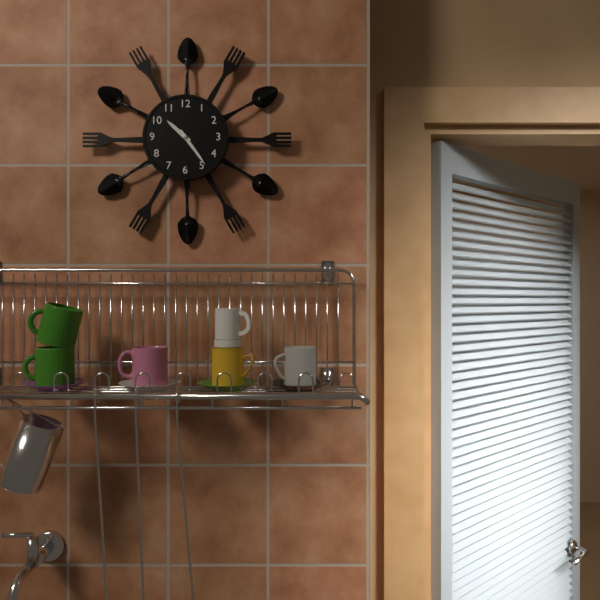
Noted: {"hour": 10, "minute": 24}
